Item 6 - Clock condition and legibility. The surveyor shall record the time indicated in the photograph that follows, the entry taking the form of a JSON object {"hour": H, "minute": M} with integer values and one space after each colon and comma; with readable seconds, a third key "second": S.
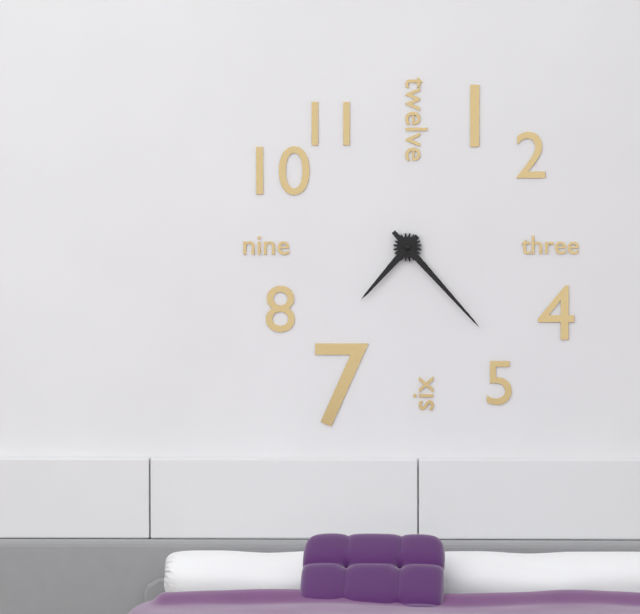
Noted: {"hour": 7, "minute": 23}
